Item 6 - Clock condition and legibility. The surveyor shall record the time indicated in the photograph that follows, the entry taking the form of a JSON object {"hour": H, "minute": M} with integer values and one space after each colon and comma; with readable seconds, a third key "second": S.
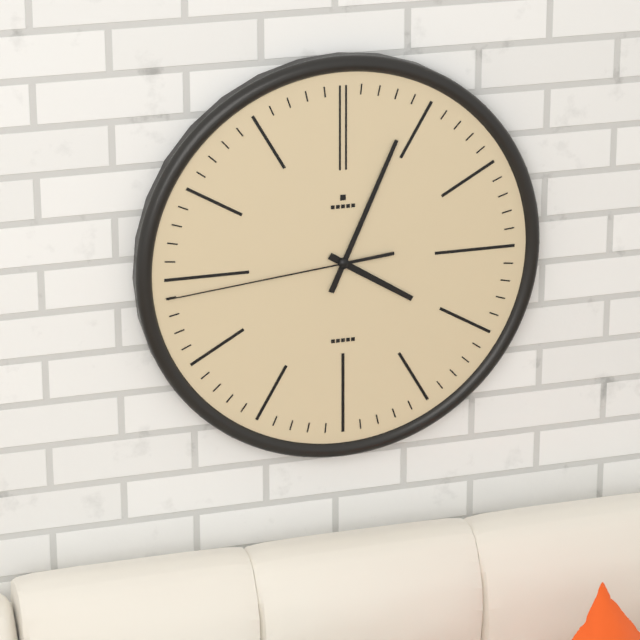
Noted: {"hour": 4, "minute": 4, "second": 44}
